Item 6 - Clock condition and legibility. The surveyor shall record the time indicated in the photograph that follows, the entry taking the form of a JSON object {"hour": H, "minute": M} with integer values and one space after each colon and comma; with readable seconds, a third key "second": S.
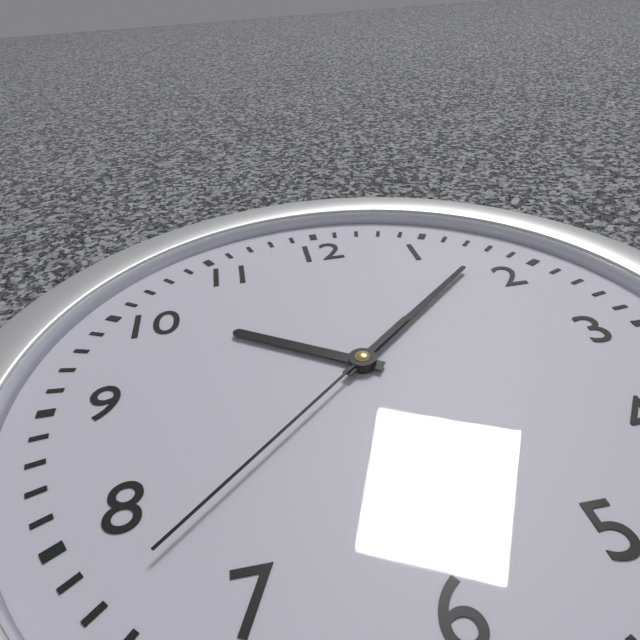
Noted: {"hour": 10, "minute": 8, "second": 38}
